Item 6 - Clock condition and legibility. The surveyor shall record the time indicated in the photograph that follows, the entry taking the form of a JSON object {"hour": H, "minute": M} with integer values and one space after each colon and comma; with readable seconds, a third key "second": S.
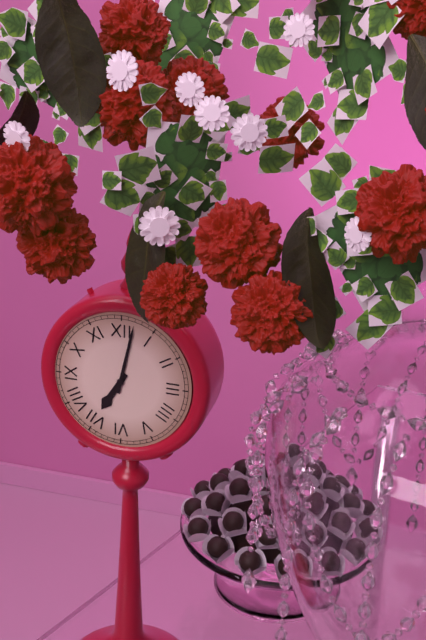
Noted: {"hour": 7, "minute": 2}
